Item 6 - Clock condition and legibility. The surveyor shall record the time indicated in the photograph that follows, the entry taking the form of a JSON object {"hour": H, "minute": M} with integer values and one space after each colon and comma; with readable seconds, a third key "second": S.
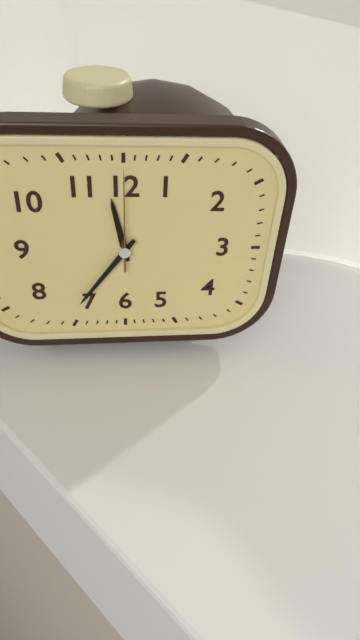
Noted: {"hour": 11, "minute": 36, "second": 0}
